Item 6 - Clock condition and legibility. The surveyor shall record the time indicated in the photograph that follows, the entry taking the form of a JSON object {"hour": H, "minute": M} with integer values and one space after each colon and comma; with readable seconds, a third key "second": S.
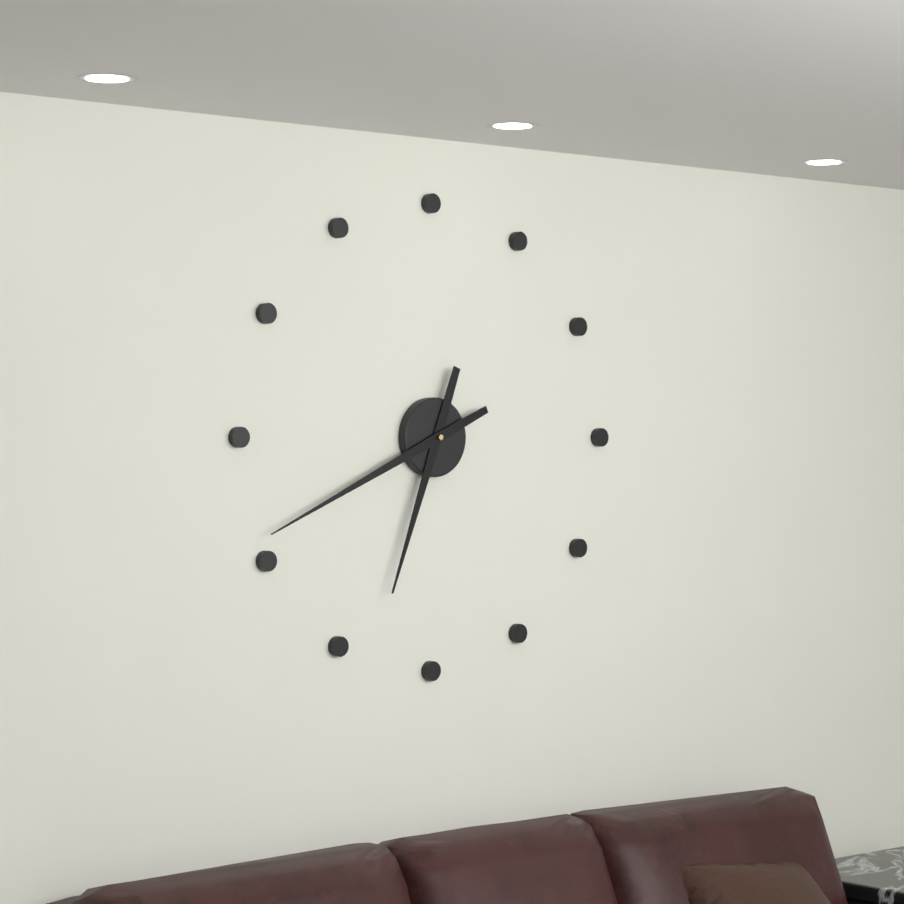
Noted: {"hour": 6, "minute": 41}
